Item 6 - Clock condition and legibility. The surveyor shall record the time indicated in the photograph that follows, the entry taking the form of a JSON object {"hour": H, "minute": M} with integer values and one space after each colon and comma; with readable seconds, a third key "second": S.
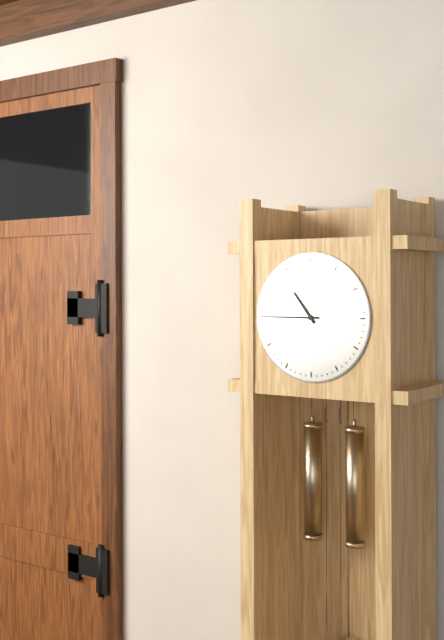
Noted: {"hour": 10, "minute": 45}
